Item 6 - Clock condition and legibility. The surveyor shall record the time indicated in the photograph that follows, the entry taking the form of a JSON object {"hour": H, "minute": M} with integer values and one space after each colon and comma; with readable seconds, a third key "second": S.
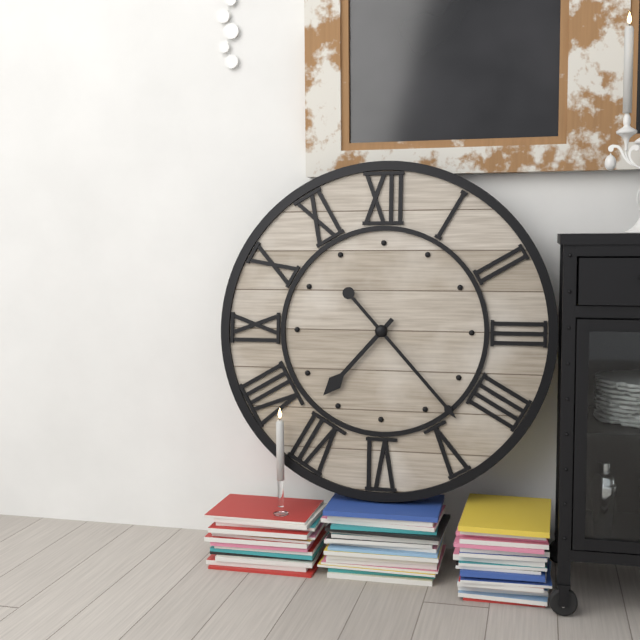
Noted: {"hour": 7, "minute": 23}
